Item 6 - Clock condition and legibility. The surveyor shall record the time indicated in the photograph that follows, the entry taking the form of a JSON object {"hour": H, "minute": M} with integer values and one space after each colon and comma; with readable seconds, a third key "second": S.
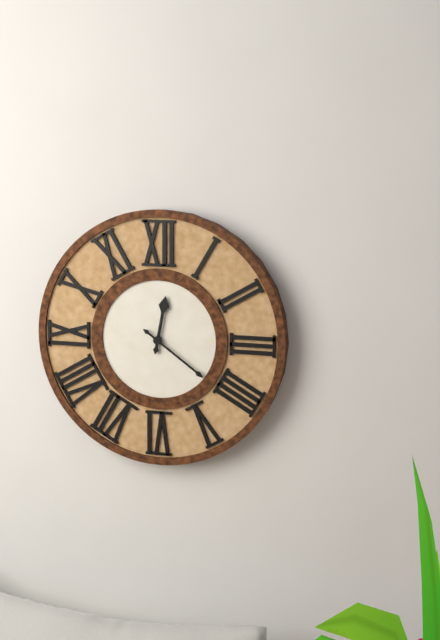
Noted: {"hour": 12, "minute": 21}
